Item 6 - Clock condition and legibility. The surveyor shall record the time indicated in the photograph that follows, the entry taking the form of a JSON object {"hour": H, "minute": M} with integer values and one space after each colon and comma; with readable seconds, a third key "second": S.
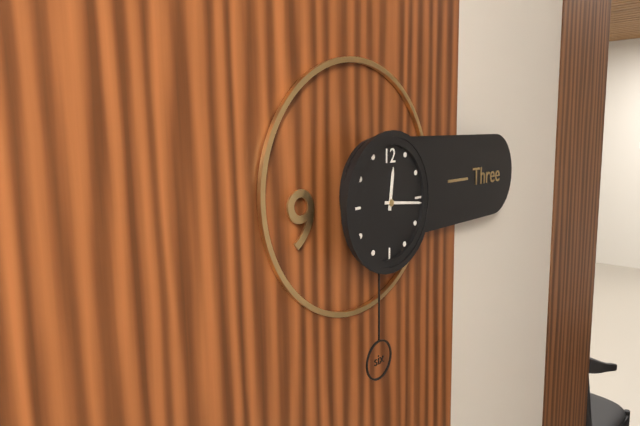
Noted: {"hour": 12, "minute": 16}
